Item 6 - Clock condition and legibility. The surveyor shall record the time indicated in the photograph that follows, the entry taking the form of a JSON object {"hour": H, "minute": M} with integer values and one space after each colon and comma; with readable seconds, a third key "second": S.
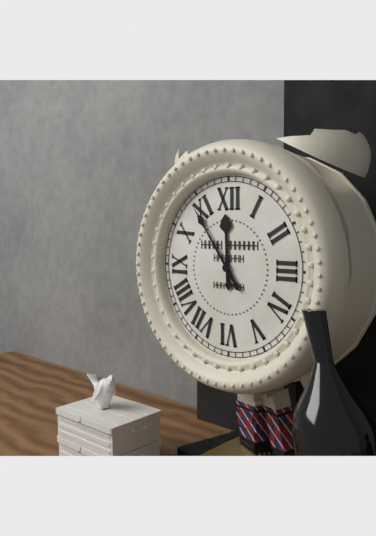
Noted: {"hour": 11, "minute": 54}
